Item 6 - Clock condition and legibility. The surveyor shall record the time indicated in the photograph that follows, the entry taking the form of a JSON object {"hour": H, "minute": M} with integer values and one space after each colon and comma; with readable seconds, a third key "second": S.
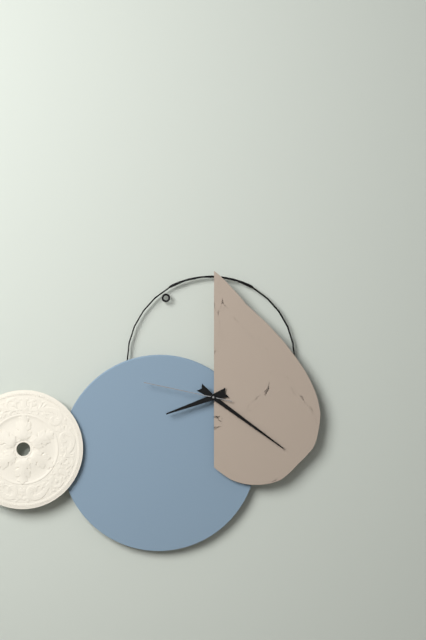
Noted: {"hour": 8, "minute": 21, "second": 47}
